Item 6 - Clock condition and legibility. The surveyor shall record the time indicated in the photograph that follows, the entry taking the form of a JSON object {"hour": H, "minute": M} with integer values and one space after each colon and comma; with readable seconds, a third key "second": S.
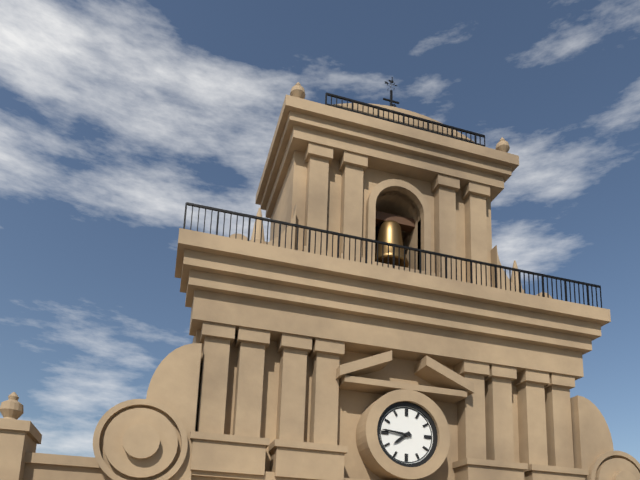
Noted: {"hour": 7, "minute": 46}
